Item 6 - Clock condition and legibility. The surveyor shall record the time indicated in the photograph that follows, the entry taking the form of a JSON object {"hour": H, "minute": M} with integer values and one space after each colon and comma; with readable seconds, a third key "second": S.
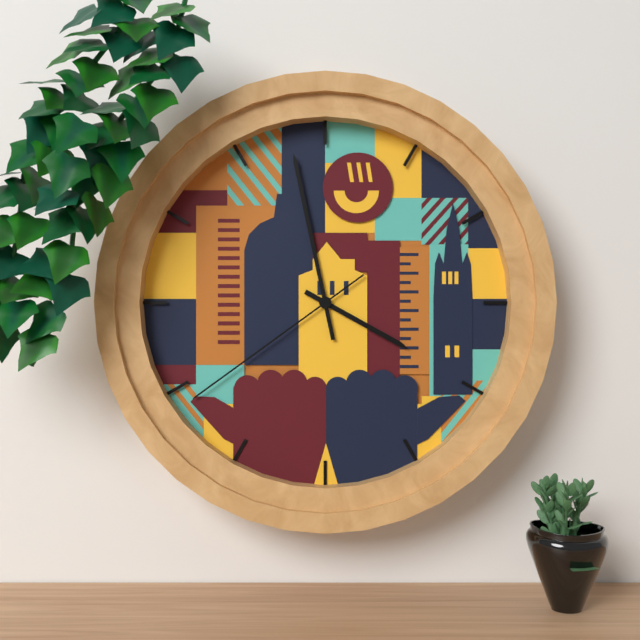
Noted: {"hour": 3, "minute": 58, "second": 39}
